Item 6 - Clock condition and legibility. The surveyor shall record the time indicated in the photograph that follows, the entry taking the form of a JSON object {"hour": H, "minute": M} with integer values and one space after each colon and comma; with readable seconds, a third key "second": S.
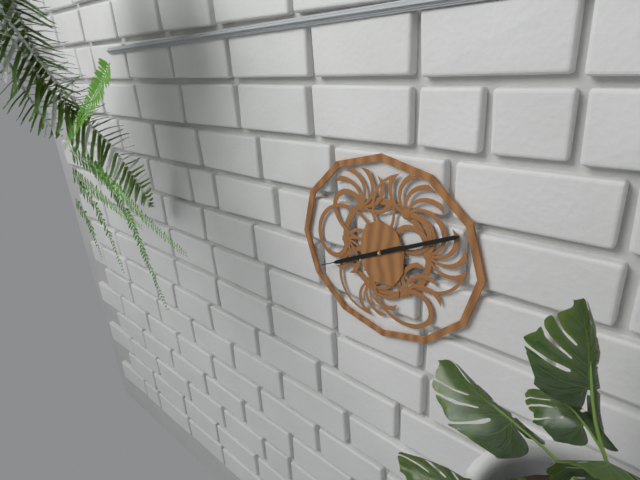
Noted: {"hour": 8, "minute": 11, "second": 41}
